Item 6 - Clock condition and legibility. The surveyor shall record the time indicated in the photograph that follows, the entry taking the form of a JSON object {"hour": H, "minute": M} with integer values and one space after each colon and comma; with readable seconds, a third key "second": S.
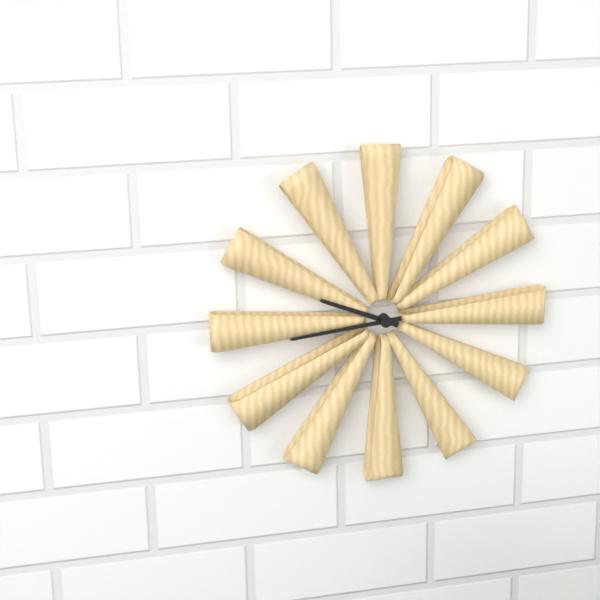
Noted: {"hour": 9, "minute": 44}
